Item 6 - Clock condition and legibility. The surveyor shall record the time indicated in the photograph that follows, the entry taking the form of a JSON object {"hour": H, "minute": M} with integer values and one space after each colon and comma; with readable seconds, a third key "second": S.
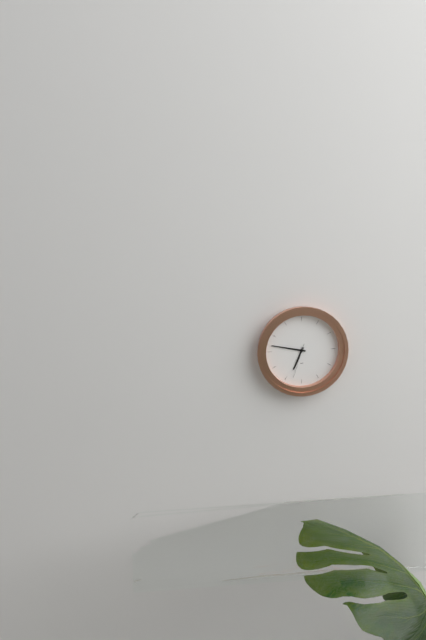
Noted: {"hour": 6, "minute": 47}
